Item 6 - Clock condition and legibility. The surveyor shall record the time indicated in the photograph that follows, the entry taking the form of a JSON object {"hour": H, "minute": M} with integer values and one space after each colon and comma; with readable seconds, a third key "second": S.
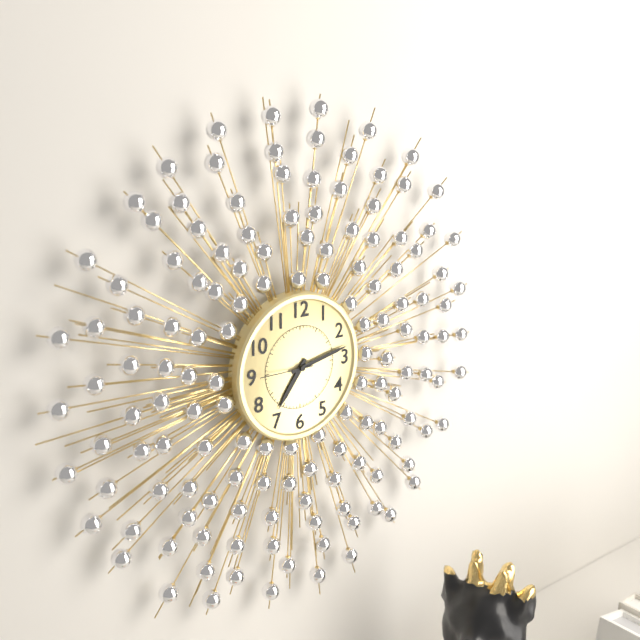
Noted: {"hour": 7, "minute": 13, "second": 45}
